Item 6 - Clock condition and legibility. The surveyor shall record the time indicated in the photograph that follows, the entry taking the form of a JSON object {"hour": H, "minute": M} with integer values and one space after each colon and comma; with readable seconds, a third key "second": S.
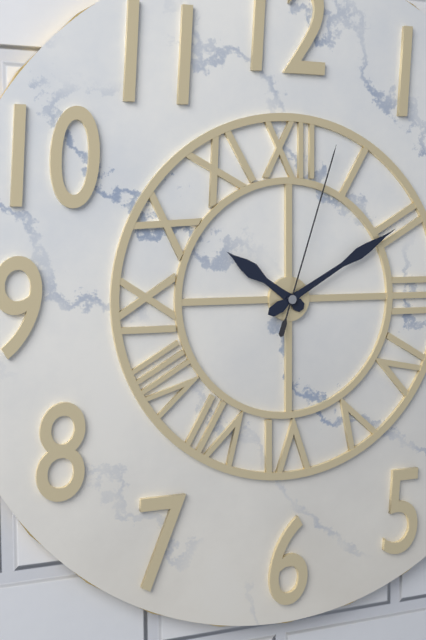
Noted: {"hour": 10, "minute": 10, "second": 3}
